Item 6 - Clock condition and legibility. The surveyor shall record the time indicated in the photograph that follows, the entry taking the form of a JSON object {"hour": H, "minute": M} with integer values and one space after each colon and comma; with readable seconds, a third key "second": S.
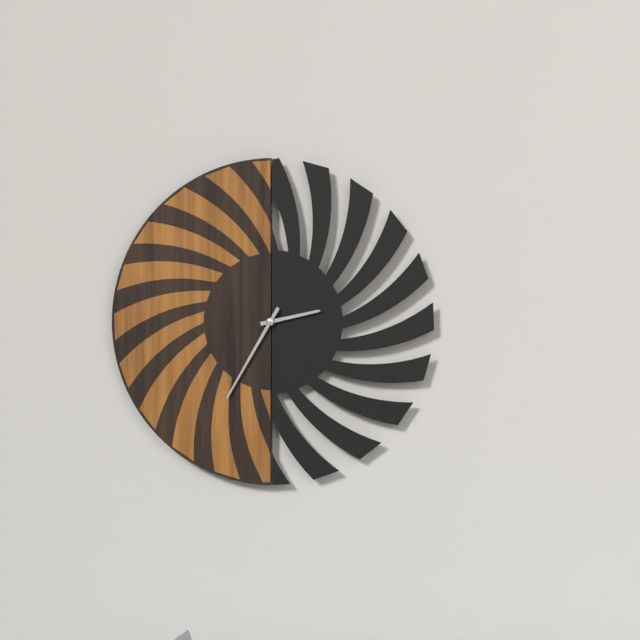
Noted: {"hour": 2, "minute": 35}
